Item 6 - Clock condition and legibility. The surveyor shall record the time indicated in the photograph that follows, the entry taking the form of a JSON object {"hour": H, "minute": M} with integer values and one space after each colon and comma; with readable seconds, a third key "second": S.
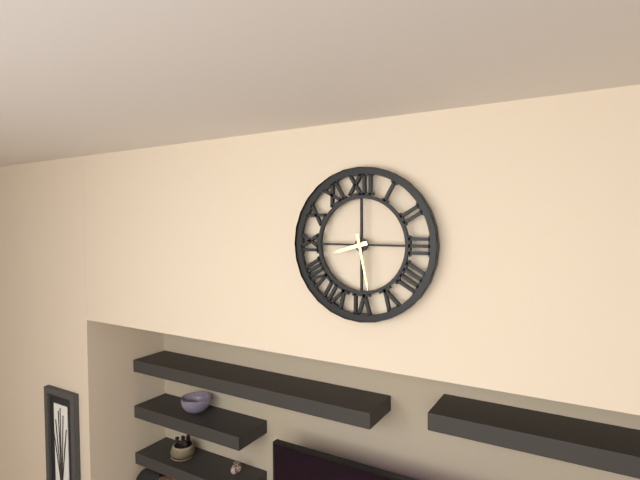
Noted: {"hour": 8, "minute": 28}
